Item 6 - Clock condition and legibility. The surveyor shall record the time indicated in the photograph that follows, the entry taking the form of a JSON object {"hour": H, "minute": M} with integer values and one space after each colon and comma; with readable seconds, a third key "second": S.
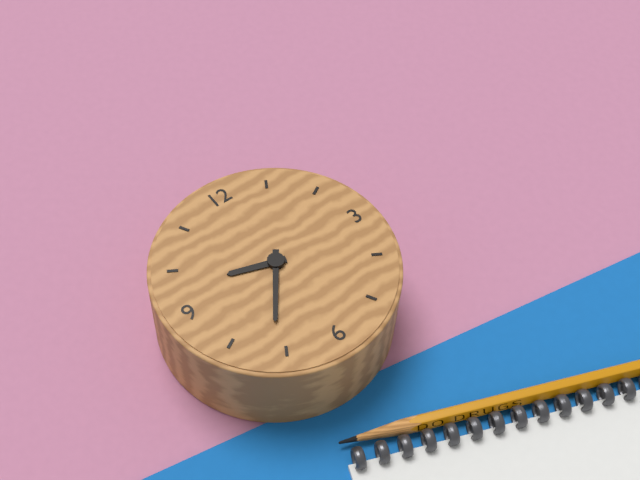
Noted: {"hour": 9, "minute": 36}
